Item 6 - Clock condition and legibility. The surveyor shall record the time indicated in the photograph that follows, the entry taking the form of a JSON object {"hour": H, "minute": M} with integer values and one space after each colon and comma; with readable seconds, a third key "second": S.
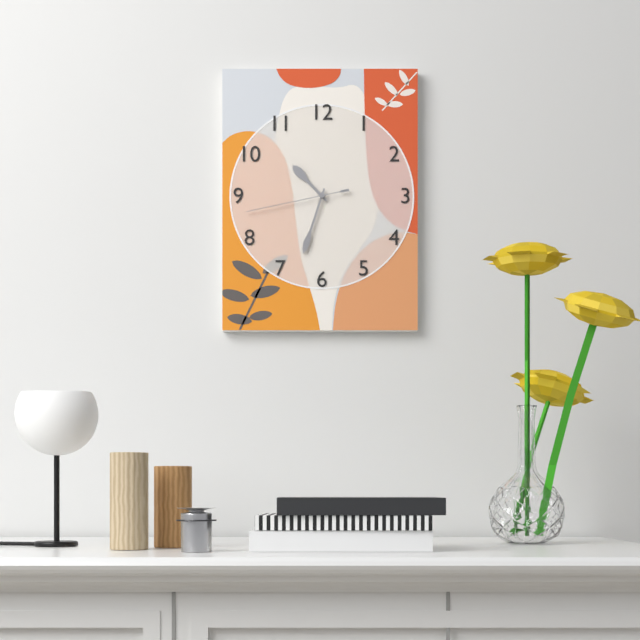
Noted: {"hour": 10, "minute": 33, "second": 43}
